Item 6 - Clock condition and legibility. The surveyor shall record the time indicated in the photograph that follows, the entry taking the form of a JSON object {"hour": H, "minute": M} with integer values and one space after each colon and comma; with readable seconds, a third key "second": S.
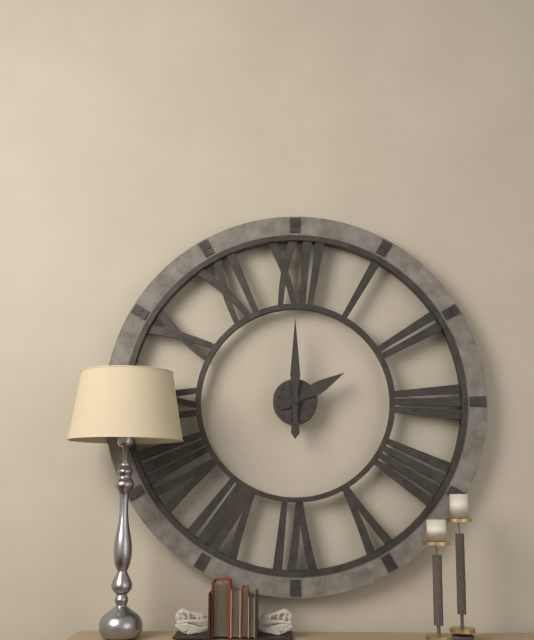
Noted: {"hour": 2, "minute": 0}
